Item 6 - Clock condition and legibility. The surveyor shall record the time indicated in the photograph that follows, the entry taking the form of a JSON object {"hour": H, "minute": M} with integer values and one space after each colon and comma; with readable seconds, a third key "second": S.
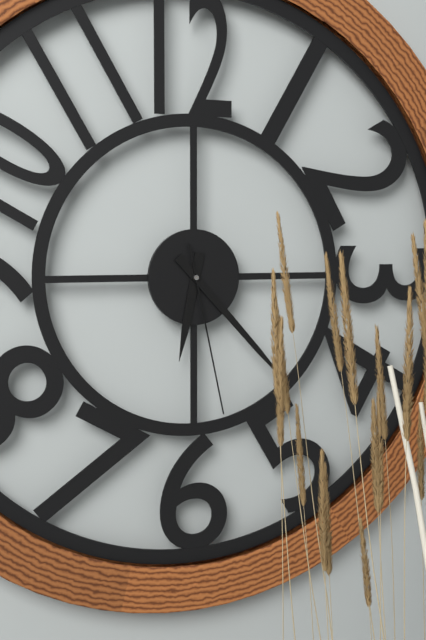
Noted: {"hour": 6, "minute": 23, "second": 28}
